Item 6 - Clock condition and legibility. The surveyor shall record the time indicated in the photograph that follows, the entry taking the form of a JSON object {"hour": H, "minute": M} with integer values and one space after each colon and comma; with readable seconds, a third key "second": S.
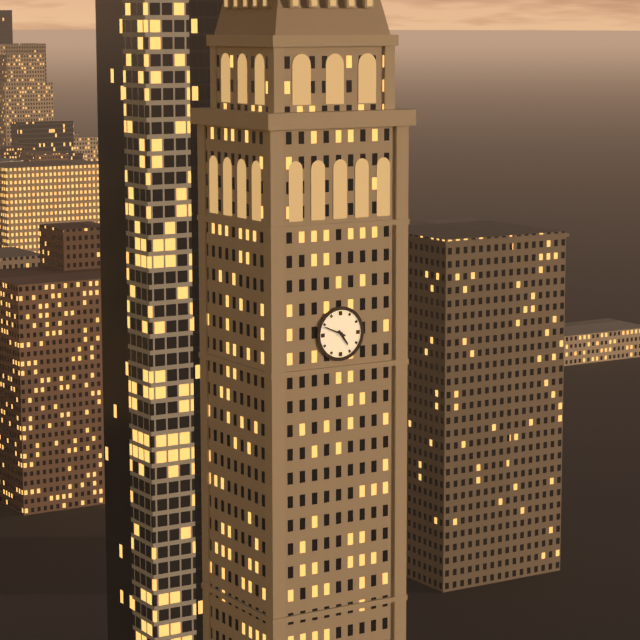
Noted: {"hour": 4, "minute": 49}
